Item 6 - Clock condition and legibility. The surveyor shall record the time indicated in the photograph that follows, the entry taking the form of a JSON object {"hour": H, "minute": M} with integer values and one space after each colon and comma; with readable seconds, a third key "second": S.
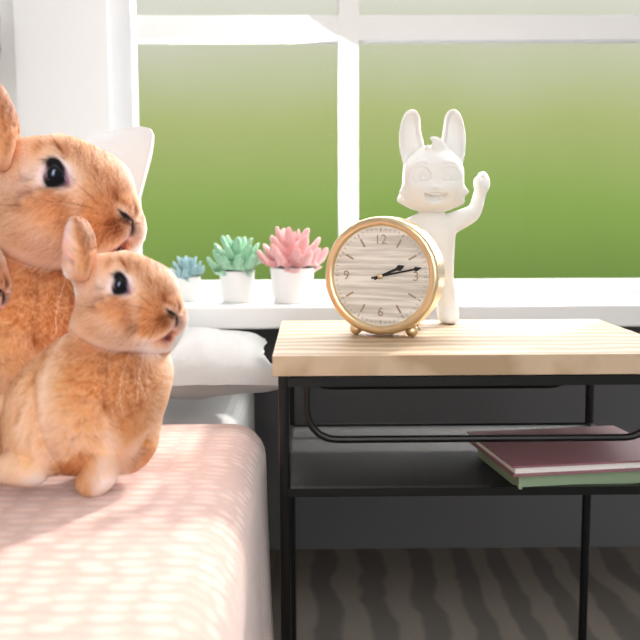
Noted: {"hour": 2, "minute": 13}
